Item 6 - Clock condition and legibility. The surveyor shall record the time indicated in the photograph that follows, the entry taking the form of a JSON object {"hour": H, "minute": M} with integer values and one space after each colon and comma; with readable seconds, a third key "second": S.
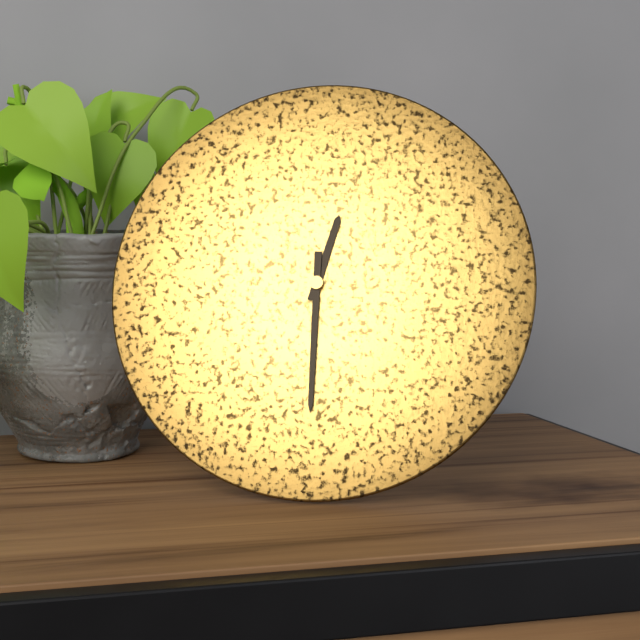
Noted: {"hour": 12, "minute": 30}
